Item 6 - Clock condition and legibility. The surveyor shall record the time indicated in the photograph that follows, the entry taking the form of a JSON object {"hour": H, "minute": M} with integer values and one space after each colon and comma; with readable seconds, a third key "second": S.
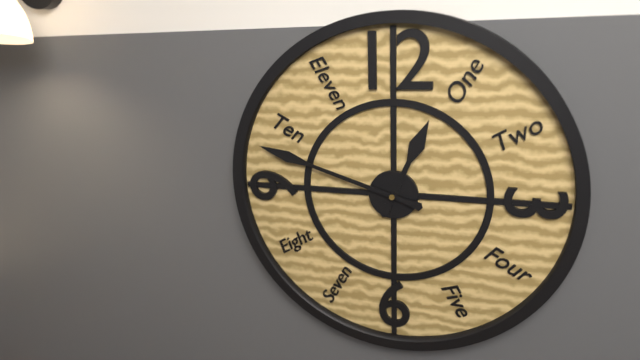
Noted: {"hour": 12, "minute": 48}
